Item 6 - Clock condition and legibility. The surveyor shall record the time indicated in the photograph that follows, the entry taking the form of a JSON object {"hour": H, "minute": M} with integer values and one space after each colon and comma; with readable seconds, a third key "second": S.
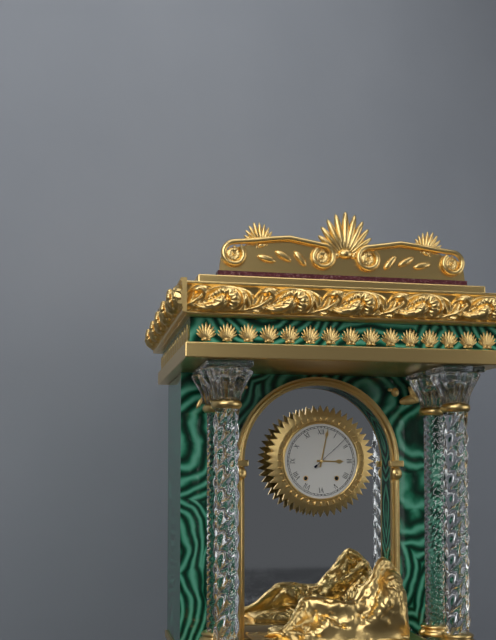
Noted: {"hour": 3, "minute": 2}
